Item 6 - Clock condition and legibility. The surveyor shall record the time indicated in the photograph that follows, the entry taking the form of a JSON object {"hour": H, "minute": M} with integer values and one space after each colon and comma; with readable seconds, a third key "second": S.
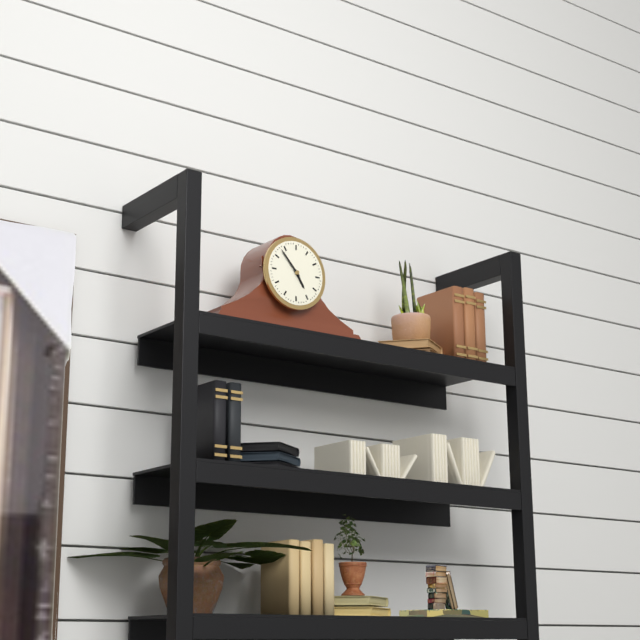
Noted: {"hour": 4, "minute": 53}
